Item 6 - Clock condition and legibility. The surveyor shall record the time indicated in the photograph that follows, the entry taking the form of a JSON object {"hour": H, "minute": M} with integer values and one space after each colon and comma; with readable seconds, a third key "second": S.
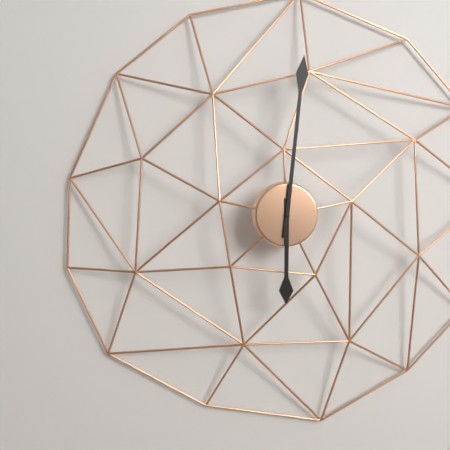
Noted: {"hour": 6, "minute": 1}
